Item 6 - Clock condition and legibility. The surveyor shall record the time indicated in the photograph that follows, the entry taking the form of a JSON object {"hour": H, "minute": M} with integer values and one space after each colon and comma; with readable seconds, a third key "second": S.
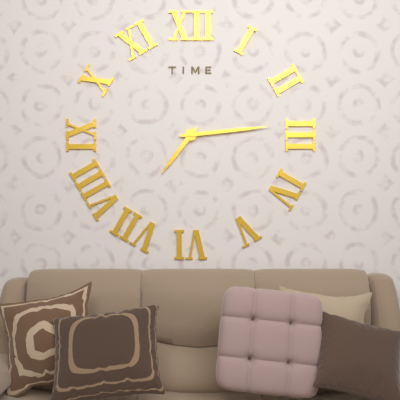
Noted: {"hour": 7, "minute": 14}
